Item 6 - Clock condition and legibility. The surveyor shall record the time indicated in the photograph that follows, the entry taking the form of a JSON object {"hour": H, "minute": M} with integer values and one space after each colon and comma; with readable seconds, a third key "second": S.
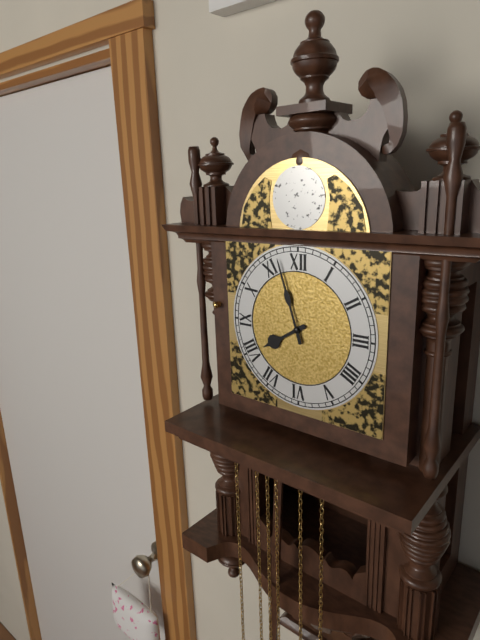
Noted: {"hour": 7, "minute": 57}
